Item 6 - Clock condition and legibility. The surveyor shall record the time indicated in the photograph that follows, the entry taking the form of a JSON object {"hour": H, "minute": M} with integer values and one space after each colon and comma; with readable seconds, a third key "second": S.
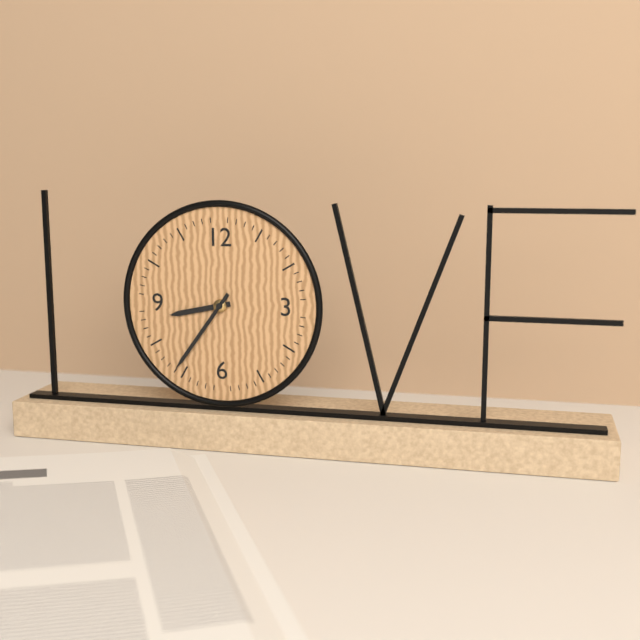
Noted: {"hour": 8, "minute": 36}
